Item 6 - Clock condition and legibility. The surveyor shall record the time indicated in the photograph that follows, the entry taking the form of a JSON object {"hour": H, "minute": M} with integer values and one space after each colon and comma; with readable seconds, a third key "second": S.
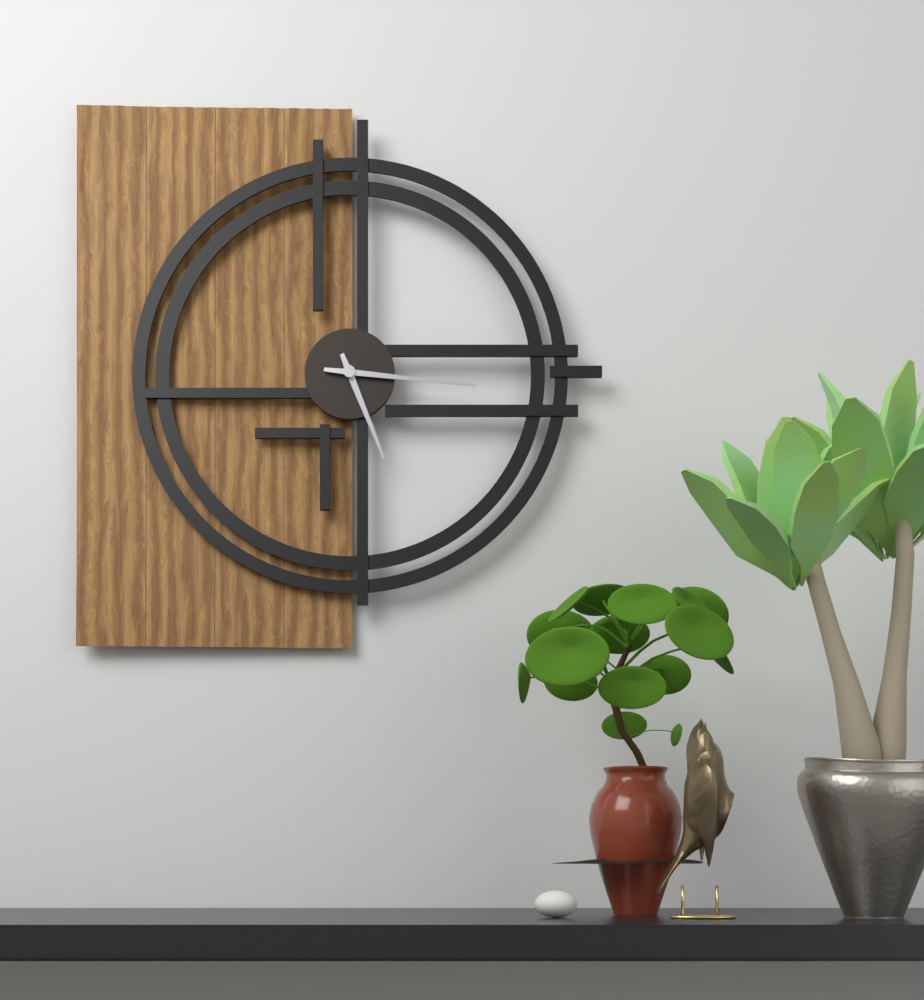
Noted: {"hour": 5, "minute": 16}
